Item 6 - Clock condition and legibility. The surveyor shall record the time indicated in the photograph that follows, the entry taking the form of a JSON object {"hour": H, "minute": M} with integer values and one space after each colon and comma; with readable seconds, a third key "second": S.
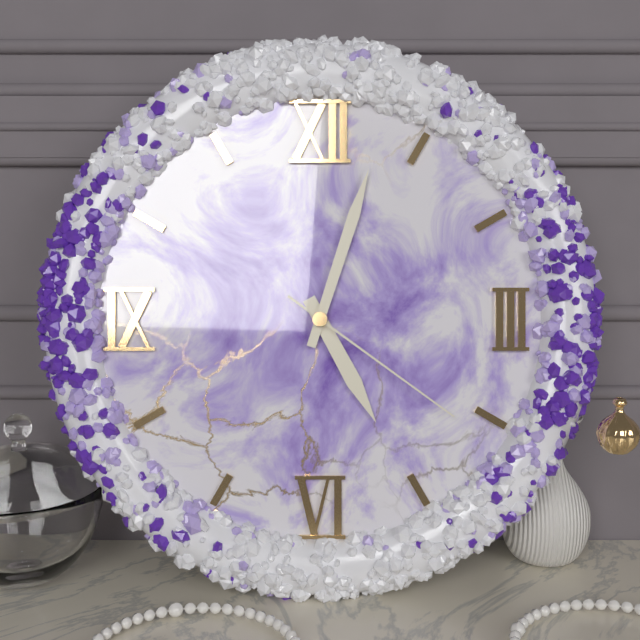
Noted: {"hour": 5, "minute": 3, "second": 21}
